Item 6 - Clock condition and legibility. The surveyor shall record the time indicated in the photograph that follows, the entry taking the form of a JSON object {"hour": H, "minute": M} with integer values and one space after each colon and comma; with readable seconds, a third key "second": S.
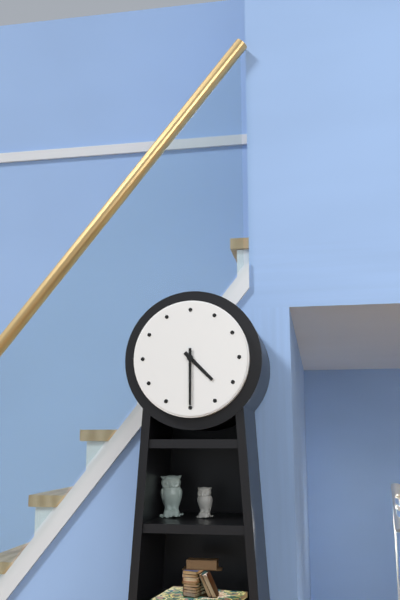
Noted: {"hour": 4, "minute": 30}
